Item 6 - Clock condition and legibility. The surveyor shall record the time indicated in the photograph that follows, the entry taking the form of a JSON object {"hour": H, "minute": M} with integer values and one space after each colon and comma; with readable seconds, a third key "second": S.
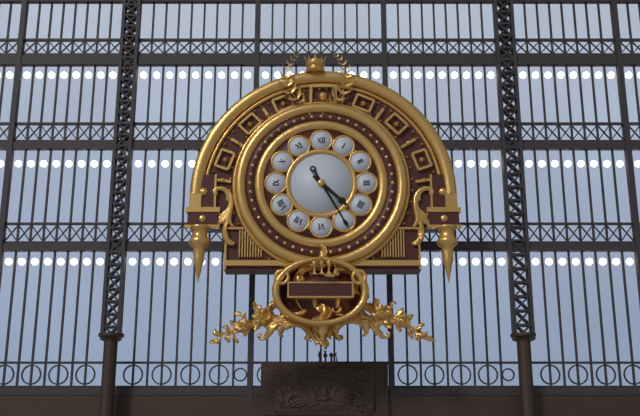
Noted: {"hour": 4, "minute": 25}
